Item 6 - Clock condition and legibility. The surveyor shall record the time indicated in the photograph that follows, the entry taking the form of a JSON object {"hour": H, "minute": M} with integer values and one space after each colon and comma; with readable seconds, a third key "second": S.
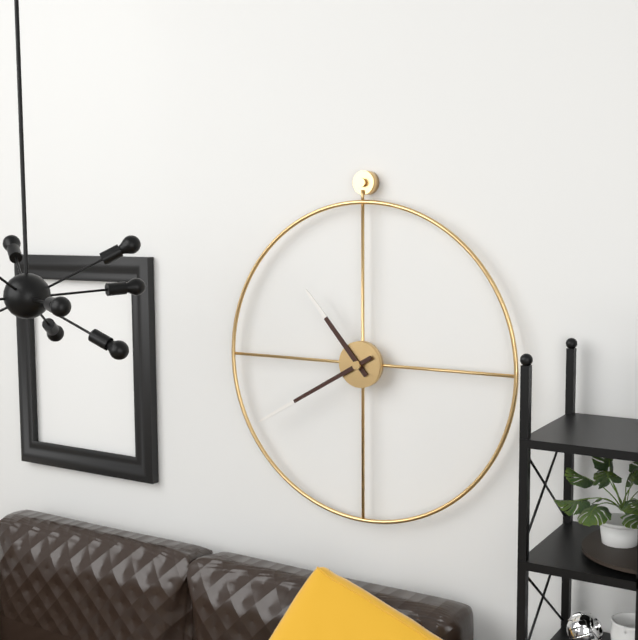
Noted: {"hour": 10, "minute": 40}
